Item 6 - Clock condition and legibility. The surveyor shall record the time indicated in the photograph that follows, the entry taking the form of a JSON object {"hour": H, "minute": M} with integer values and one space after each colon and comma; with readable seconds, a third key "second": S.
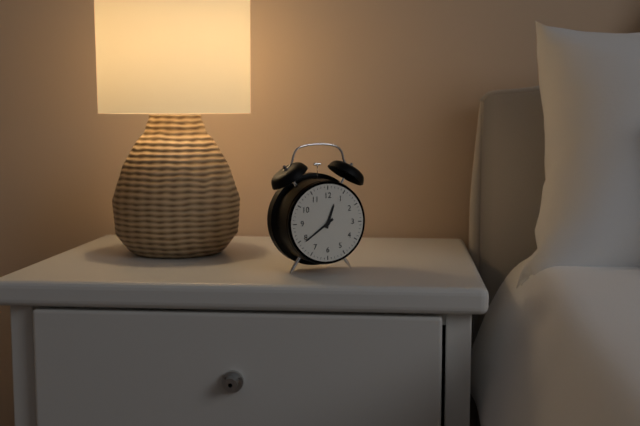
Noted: {"hour": 12, "minute": 39}
